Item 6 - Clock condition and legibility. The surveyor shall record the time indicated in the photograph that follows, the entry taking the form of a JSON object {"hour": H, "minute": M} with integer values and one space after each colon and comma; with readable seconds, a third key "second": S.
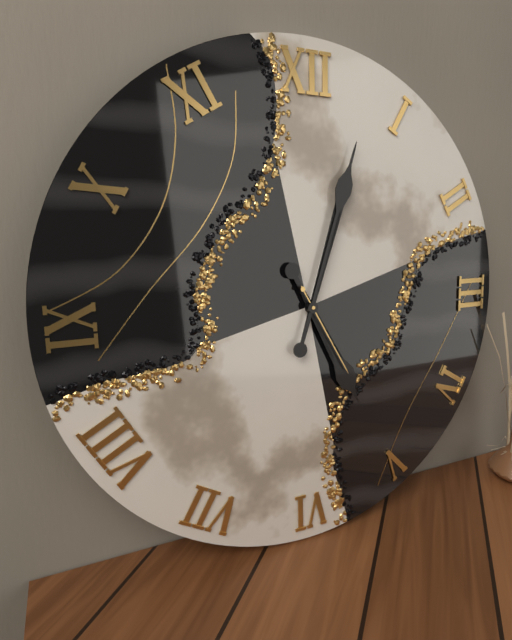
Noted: {"hour": 5, "minute": 3, "second": 25}
